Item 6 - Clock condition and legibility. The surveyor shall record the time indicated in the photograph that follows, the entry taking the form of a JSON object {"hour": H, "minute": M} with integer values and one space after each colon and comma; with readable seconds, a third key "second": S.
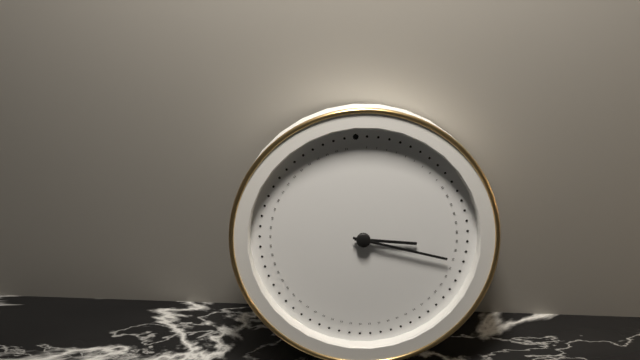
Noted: {"hour": 3, "minute": 18}
